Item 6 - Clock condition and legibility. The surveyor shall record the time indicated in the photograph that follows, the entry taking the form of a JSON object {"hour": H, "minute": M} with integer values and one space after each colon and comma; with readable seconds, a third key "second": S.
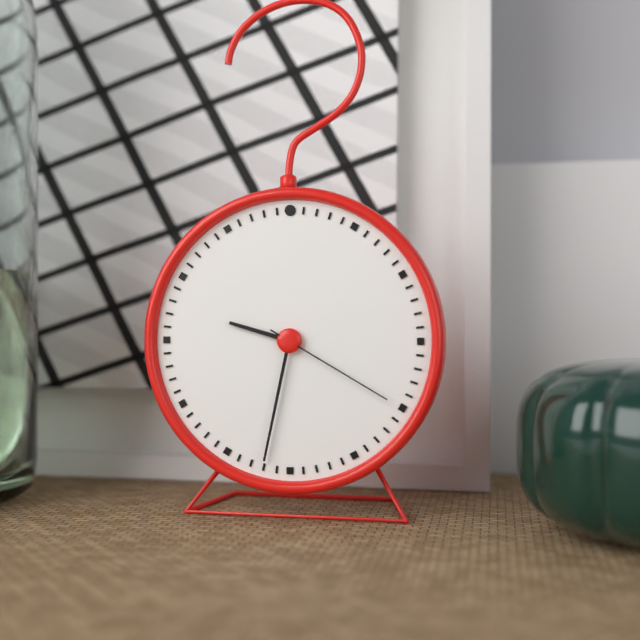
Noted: {"hour": 9, "minute": 32, "second": 20}
